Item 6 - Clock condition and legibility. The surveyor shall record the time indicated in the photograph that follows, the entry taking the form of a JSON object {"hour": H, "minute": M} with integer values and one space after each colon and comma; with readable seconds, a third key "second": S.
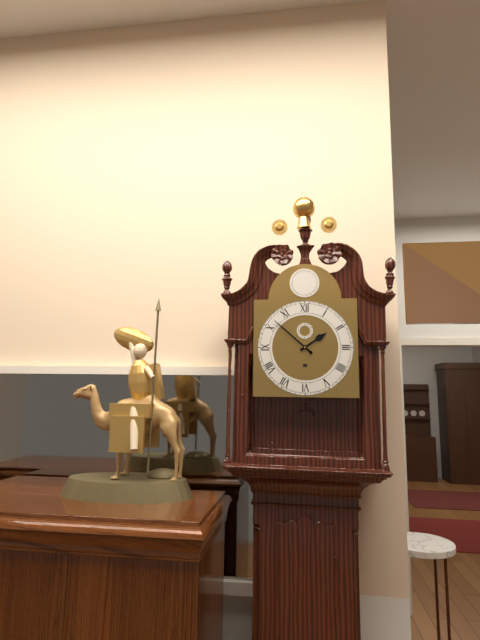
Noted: {"hour": 1, "minute": 52}
